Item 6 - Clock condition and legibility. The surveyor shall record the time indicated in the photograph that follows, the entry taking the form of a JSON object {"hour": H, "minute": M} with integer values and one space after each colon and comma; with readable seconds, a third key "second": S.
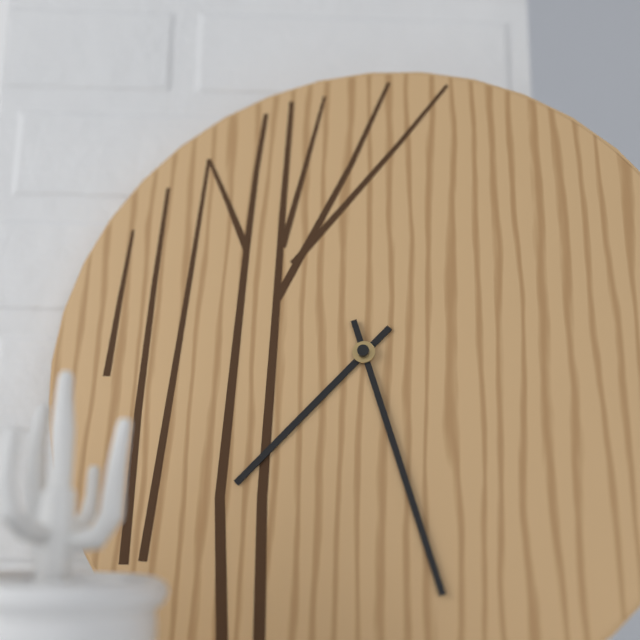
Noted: {"hour": 7, "minute": 27}
